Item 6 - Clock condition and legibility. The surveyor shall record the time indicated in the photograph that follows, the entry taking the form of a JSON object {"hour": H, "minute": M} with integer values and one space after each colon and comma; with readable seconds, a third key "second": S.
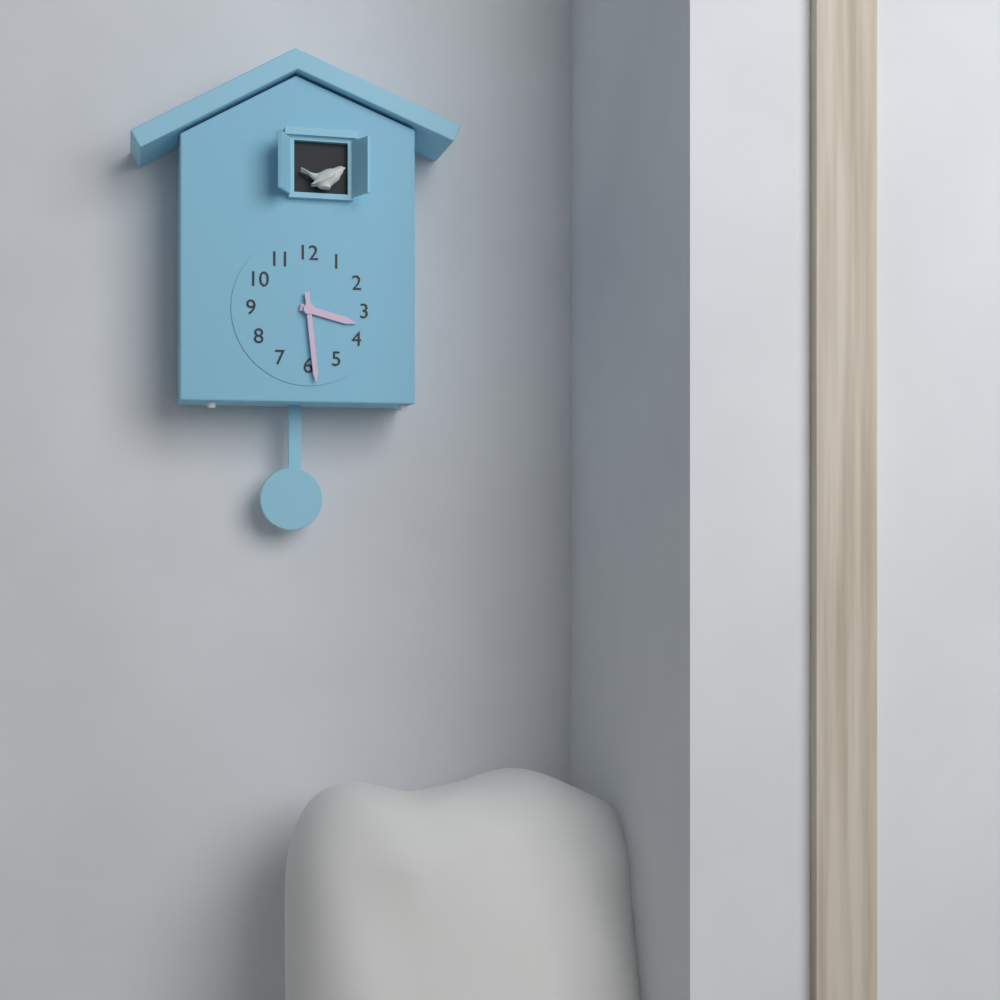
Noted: {"hour": 3, "minute": 29}
